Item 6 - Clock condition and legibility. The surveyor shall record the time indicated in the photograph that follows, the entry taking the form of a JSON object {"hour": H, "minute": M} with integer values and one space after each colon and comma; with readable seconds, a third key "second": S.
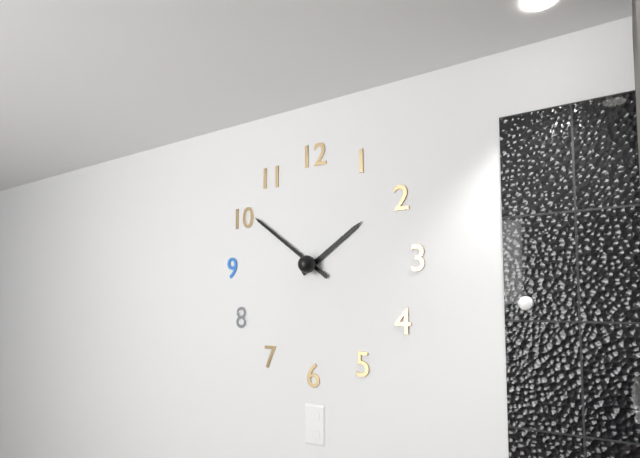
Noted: {"hour": 1, "minute": 51}
